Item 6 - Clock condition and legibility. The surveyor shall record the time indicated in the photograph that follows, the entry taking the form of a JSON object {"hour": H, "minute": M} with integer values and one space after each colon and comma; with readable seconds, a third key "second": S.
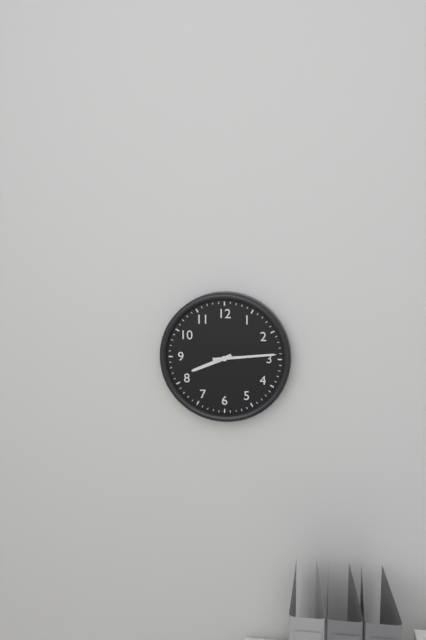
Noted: {"hour": 8, "minute": 14}
